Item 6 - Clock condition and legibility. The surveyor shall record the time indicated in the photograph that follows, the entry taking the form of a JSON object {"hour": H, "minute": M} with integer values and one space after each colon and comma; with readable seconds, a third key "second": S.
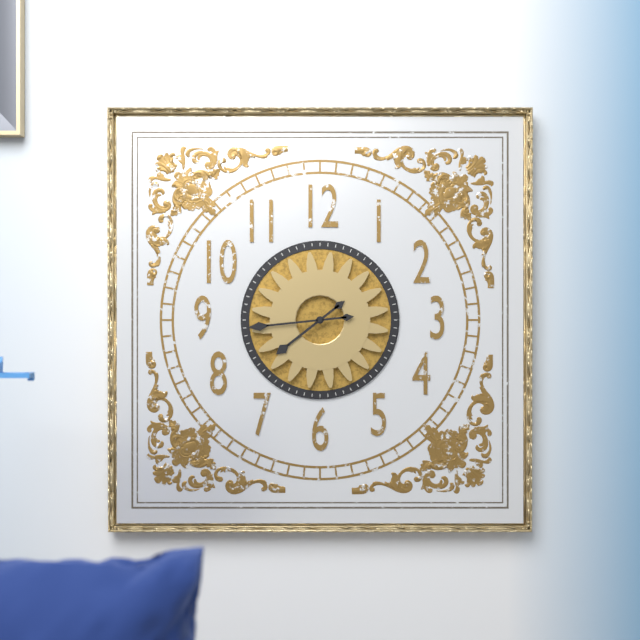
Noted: {"hour": 7, "minute": 44}
